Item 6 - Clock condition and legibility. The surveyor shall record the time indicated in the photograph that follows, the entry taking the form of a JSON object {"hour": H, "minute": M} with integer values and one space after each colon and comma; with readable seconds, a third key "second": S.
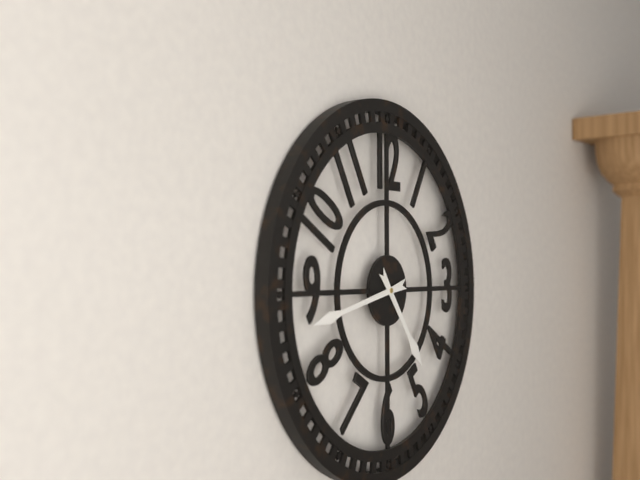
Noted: {"hour": 4, "minute": 43}
